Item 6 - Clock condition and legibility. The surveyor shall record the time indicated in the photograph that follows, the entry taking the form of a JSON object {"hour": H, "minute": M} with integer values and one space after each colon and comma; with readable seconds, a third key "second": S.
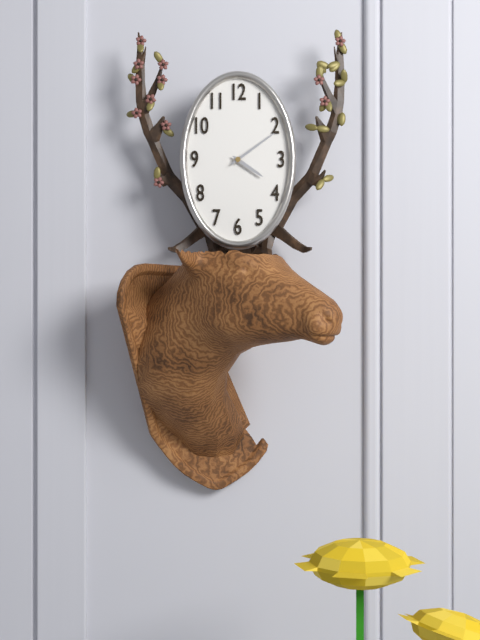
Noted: {"hour": 4, "minute": 9}
